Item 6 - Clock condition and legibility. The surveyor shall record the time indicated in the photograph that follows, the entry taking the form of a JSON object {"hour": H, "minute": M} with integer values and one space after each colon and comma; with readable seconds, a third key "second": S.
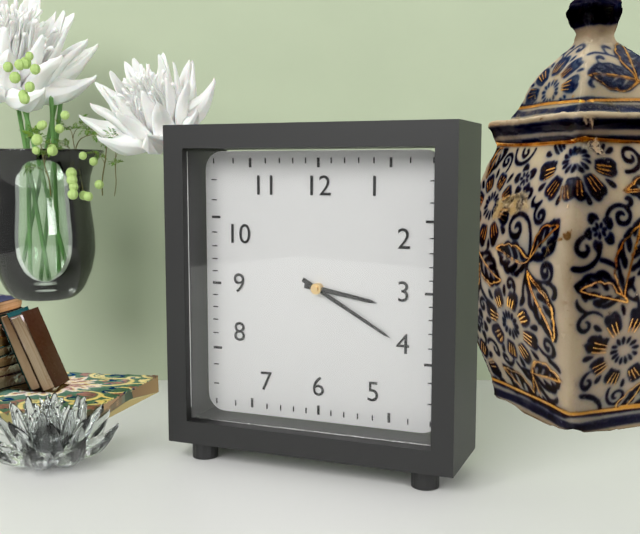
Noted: {"hour": 3, "minute": 20}
